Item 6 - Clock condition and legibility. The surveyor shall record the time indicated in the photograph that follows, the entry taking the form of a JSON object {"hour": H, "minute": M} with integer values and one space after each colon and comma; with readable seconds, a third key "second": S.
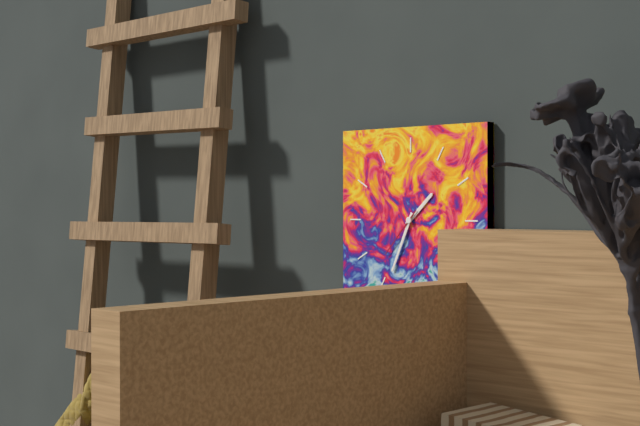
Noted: {"hour": 1, "minute": 34, "second": 37}
